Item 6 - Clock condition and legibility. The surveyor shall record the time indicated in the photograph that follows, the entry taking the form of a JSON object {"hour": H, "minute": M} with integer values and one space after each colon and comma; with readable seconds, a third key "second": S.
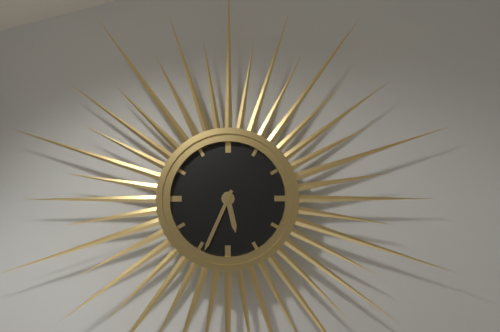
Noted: {"hour": 5, "minute": 34}
